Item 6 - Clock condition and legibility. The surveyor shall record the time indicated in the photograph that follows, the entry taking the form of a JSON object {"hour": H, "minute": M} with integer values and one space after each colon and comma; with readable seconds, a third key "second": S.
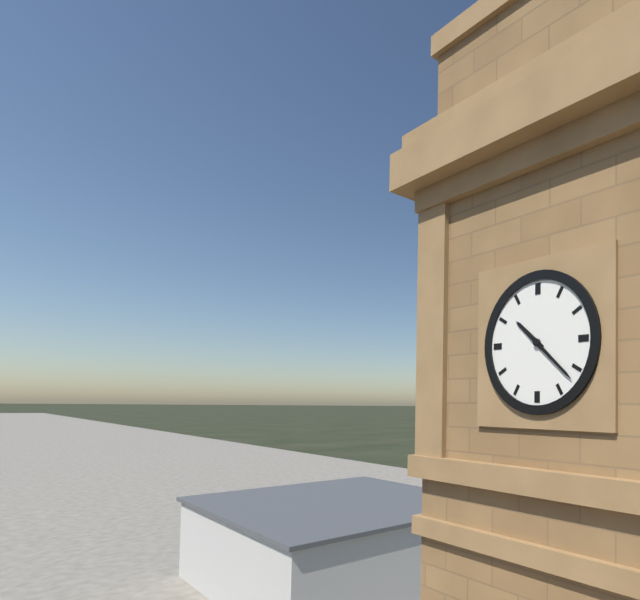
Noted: {"hour": 10, "minute": 22}
